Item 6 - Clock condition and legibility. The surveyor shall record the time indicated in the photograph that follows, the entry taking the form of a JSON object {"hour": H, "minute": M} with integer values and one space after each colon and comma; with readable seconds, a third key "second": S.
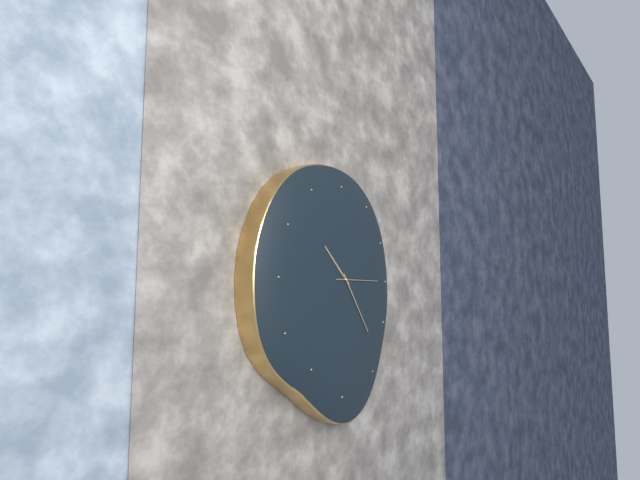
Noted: {"hour": 10, "minute": 24}
